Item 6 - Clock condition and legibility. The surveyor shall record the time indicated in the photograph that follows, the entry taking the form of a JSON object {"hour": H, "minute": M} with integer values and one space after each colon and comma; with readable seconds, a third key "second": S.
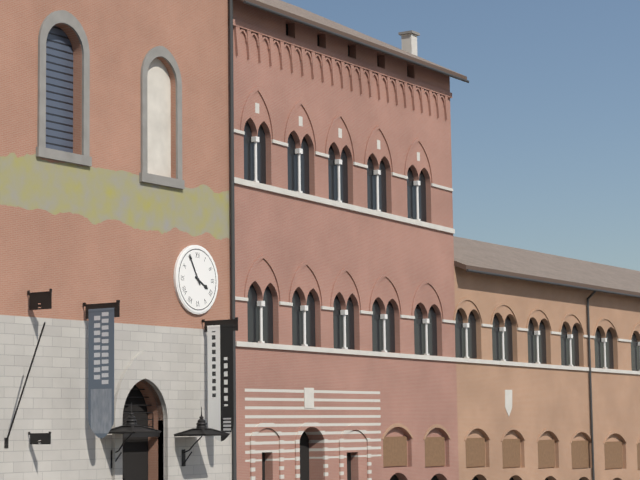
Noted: {"hour": 3, "minute": 55}
